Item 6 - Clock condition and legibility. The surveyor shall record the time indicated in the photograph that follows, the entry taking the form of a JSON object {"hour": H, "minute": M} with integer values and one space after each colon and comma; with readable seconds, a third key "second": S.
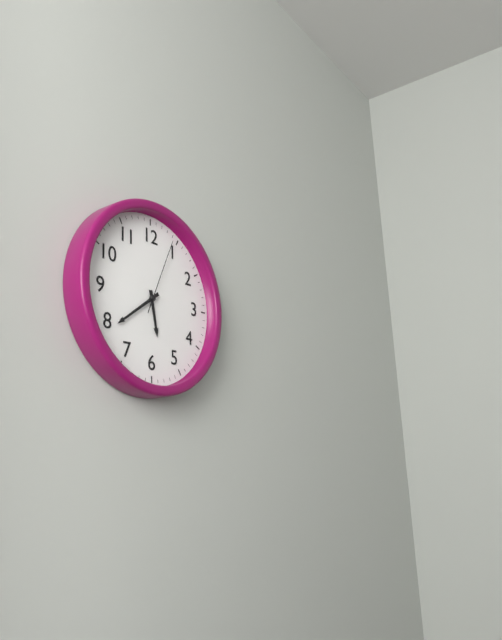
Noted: {"hour": 5, "minute": 39, "second": 4}
